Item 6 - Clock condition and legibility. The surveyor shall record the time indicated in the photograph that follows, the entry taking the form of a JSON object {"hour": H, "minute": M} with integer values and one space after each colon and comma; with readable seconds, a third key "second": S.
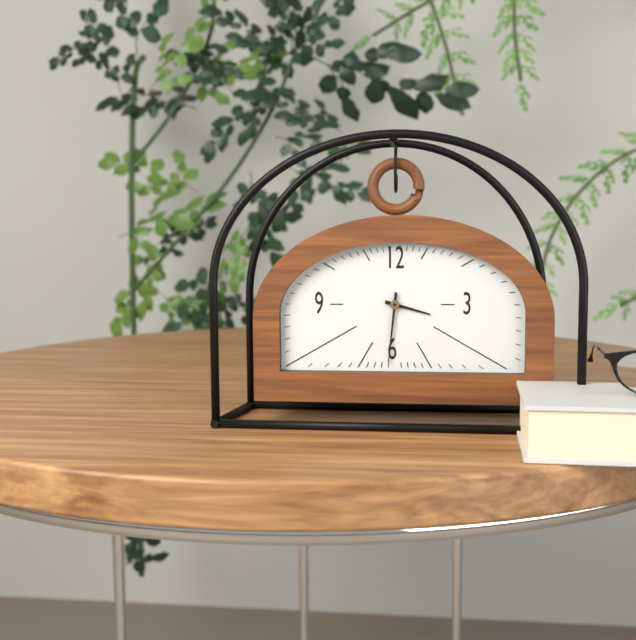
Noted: {"hour": 3, "minute": 31}
